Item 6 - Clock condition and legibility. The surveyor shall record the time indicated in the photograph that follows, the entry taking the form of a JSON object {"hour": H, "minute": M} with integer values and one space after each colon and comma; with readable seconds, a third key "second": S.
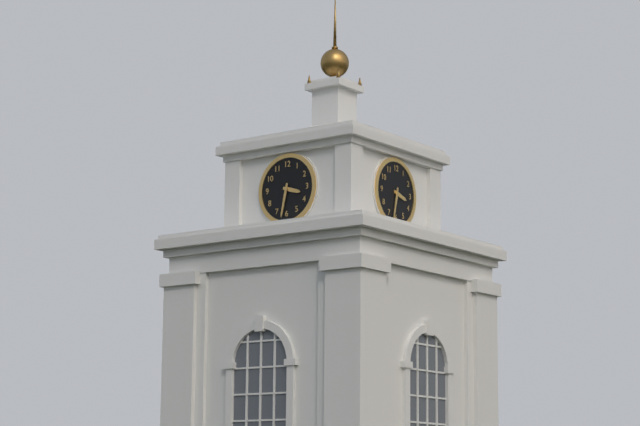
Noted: {"hour": 3, "minute": 32}
